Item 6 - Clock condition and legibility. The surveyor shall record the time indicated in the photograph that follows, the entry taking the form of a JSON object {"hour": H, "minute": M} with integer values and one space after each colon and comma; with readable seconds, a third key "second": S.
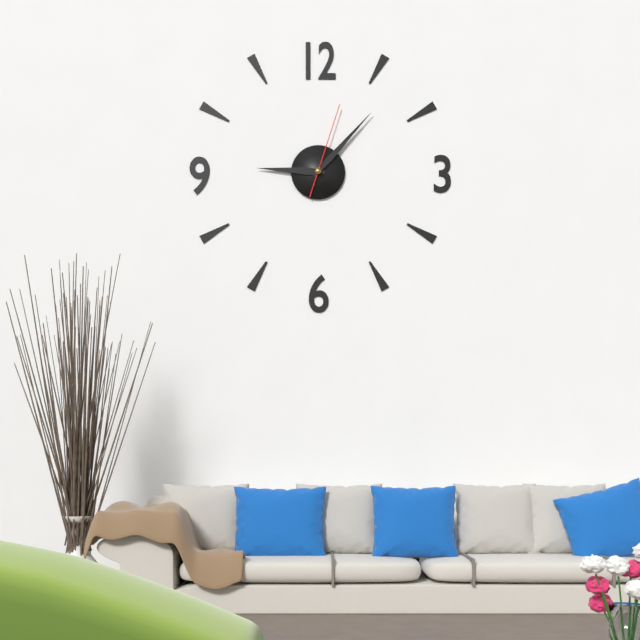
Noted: {"hour": 9, "minute": 7, "second": 3}
